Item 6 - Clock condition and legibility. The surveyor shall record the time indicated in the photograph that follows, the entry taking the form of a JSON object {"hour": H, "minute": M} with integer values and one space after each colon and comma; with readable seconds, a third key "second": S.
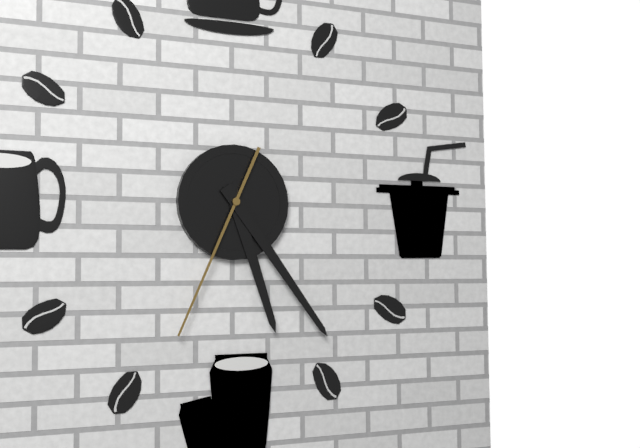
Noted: {"hour": 5, "minute": 24, "second": 34}
